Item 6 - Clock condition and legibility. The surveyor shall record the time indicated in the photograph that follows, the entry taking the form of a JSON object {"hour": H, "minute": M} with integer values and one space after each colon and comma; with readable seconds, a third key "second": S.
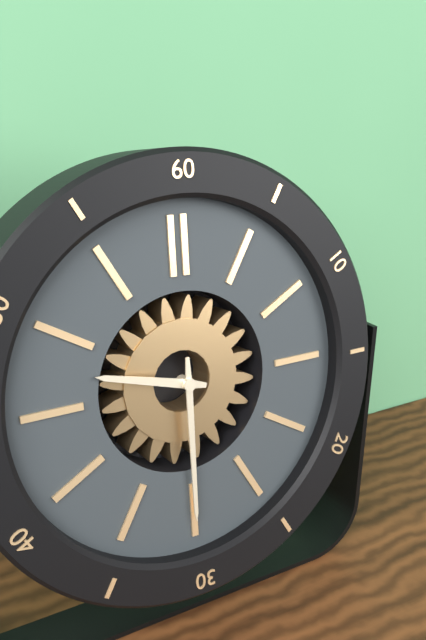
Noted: {"hour": 9, "minute": 30}
